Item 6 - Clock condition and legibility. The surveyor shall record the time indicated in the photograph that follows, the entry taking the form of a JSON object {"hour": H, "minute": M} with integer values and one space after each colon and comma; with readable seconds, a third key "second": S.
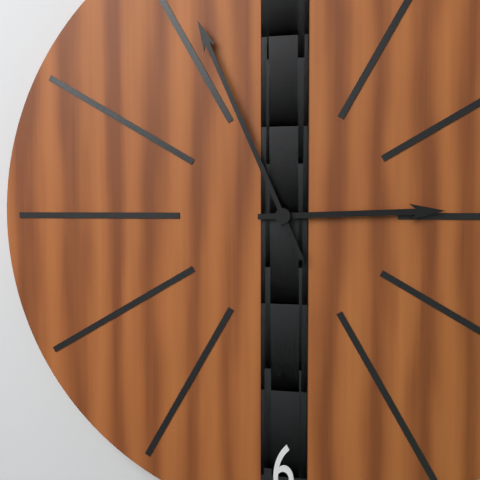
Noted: {"hour": 2, "minute": 56}
